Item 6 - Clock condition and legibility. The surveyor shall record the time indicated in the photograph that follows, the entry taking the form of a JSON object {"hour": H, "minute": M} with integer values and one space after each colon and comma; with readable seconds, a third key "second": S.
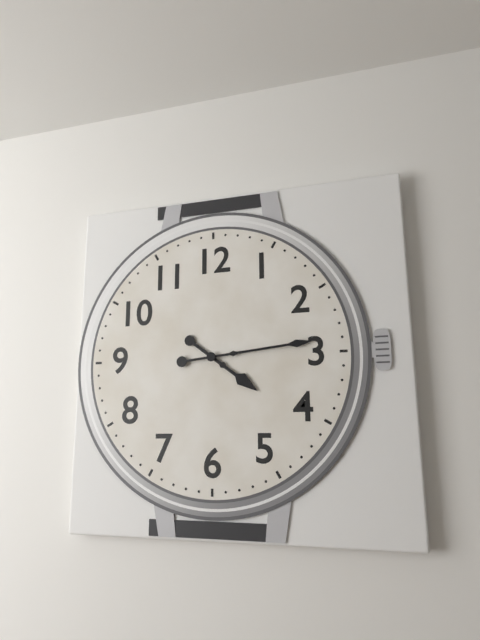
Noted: {"hour": 4, "minute": 14}
